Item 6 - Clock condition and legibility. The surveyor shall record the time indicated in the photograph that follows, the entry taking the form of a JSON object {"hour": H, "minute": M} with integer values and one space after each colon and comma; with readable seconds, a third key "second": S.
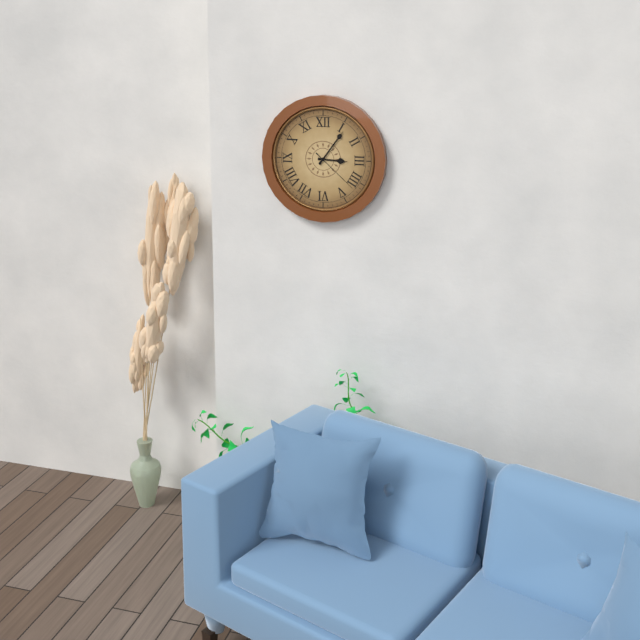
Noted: {"hour": 3, "minute": 6, "second": 22}
